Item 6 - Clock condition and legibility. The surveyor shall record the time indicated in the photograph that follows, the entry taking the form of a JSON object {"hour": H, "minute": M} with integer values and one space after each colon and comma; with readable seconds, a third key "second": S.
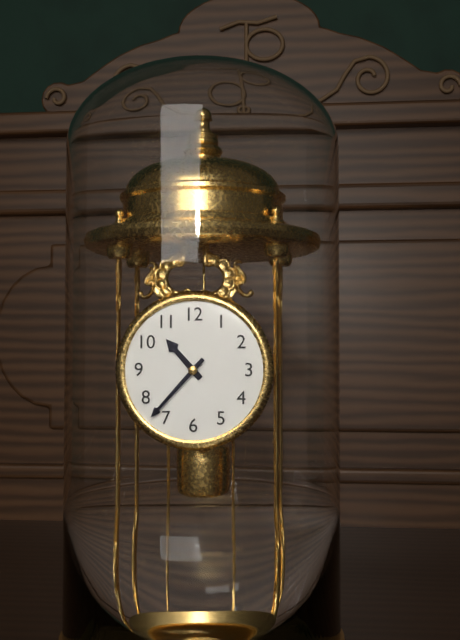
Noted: {"hour": 10, "minute": 37}
